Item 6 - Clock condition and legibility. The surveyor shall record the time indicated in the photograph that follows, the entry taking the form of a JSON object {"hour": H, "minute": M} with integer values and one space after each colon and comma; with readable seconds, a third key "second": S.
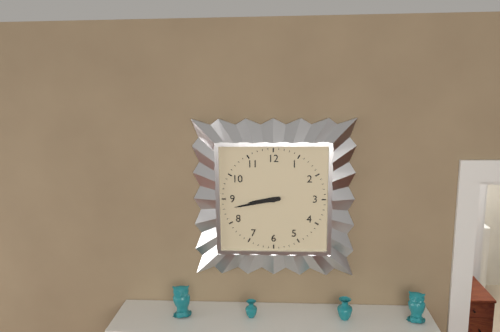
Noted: {"hour": 8, "minute": 43}
